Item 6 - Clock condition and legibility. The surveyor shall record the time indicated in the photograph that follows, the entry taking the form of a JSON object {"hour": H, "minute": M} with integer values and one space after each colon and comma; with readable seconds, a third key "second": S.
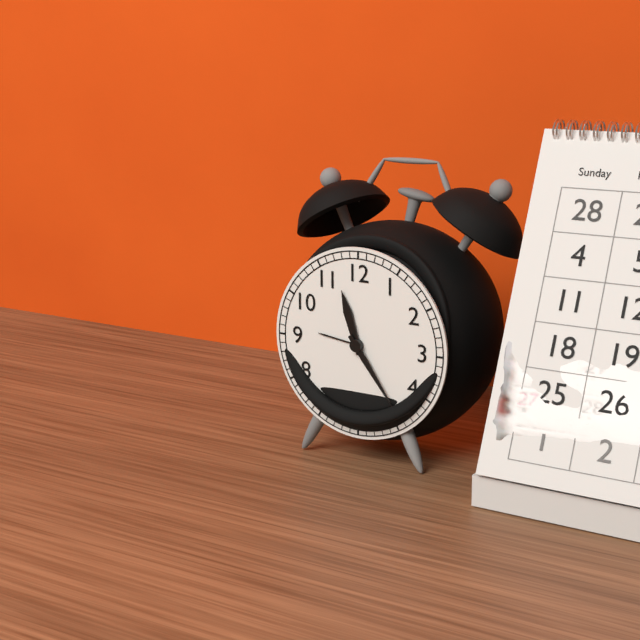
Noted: {"hour": 11, "minute": 24}
